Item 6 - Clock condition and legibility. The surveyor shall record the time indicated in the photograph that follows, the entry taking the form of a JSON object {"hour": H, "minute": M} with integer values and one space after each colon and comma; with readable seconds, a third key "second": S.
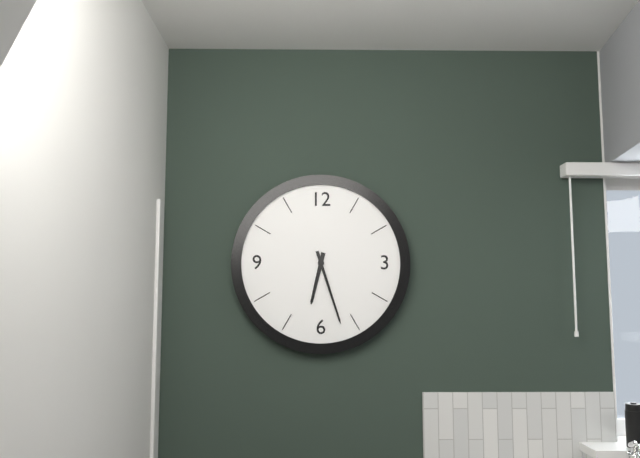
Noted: {"hour": 6, "minute": 27}
